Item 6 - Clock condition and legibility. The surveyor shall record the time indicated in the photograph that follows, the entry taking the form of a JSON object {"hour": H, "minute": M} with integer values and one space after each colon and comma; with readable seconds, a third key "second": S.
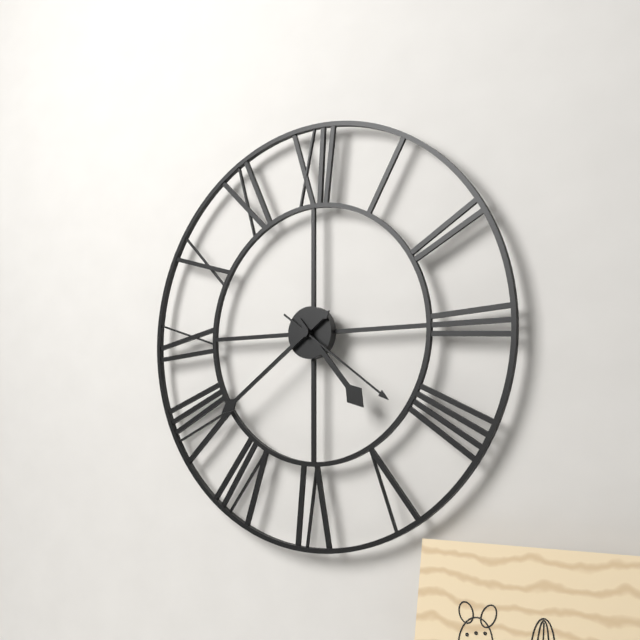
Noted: {"hour": 4, "minute": 39, "second": 21}
